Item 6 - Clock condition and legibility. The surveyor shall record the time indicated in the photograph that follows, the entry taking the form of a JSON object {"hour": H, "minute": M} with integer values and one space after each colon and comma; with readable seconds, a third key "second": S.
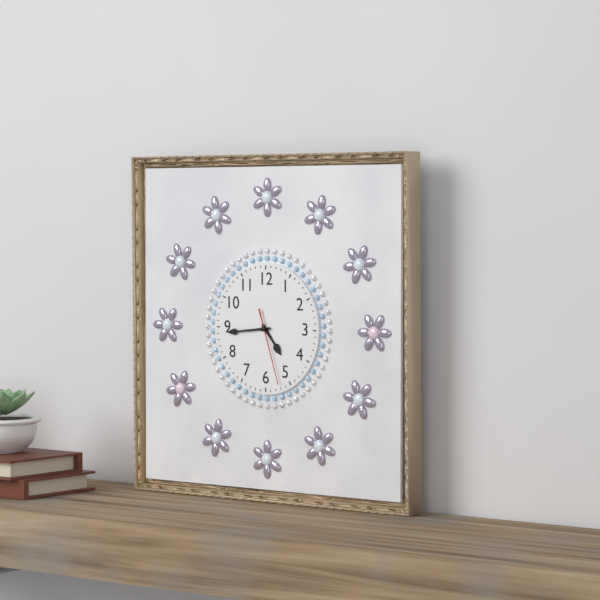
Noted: {"hour": 4, "minute": 44, "second": 27}
